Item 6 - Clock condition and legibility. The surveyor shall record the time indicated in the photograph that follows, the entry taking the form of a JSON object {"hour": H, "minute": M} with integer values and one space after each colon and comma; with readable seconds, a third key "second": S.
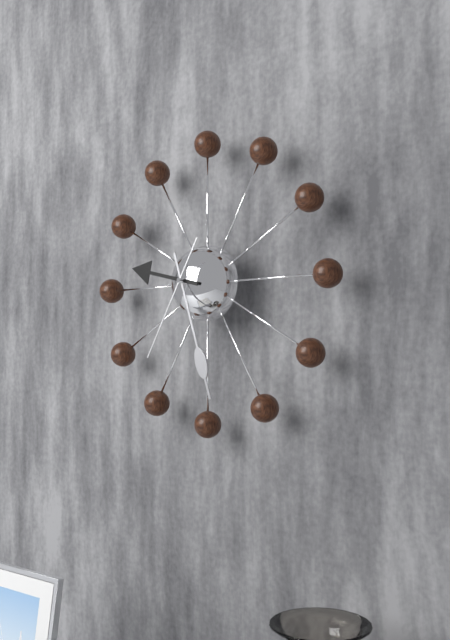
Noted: {"hour": 9, "minute": 27, "second": 35}
